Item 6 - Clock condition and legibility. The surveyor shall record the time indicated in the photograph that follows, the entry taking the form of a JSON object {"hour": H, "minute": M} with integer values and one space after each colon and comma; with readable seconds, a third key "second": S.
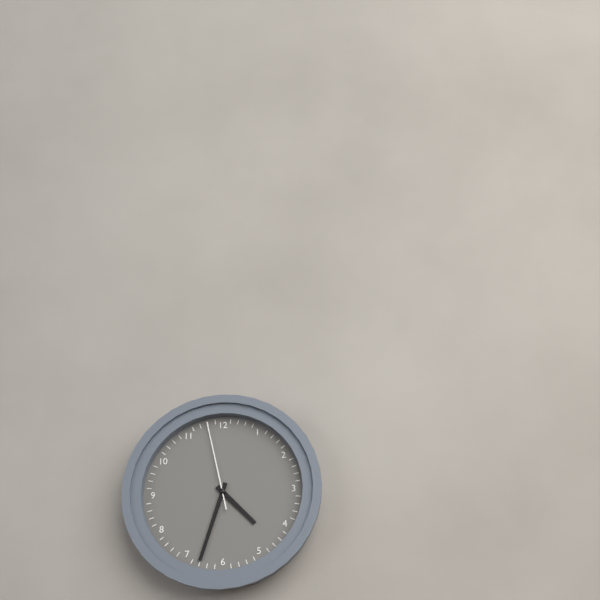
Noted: {"hour": 4, "minute": 33, "second": 58}
